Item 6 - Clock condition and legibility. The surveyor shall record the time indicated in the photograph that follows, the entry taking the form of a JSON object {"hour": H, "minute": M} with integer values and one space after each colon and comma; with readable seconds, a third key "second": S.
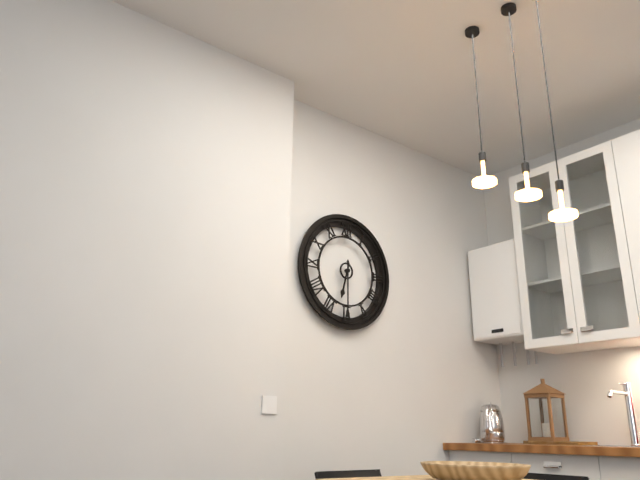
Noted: {"hour": 6, "minute": 30}
